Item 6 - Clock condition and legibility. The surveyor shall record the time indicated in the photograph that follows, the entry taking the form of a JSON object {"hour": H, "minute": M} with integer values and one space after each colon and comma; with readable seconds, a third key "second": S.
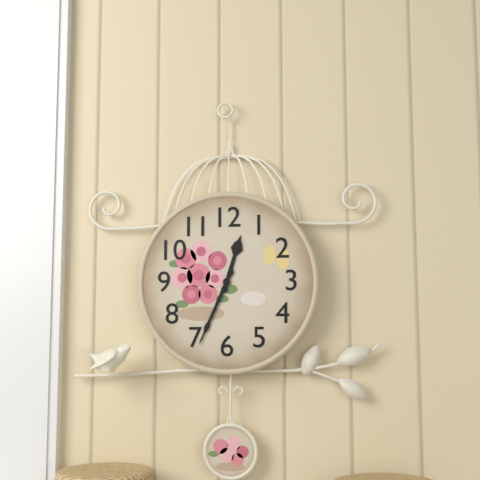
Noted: {"hour": 12, "minute": 34}
